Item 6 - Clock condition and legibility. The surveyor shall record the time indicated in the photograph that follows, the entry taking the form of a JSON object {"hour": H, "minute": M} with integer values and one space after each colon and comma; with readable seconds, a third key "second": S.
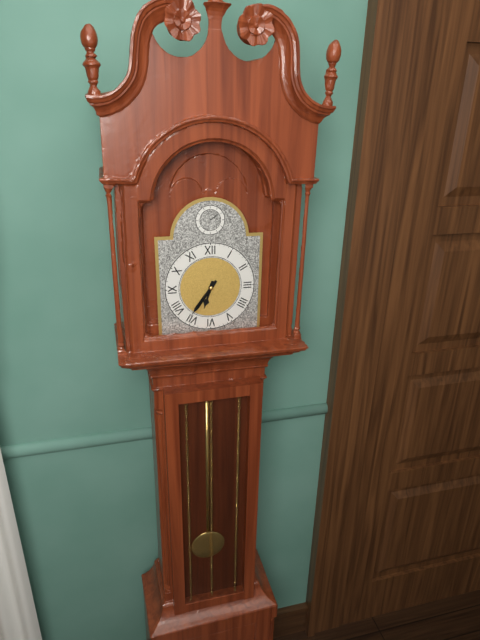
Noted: {"hour": 6, "minute": 36}
